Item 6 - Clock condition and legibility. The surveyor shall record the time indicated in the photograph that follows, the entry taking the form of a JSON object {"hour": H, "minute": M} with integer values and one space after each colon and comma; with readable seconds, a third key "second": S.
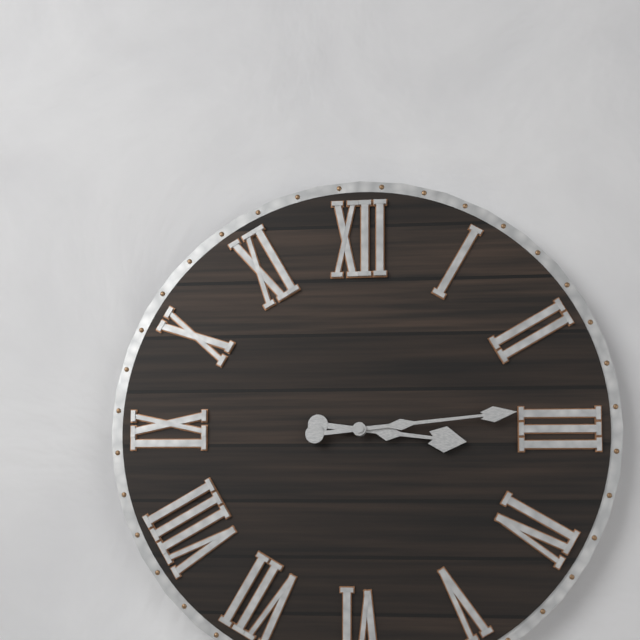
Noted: {"hour": 3, "minute": 14}
